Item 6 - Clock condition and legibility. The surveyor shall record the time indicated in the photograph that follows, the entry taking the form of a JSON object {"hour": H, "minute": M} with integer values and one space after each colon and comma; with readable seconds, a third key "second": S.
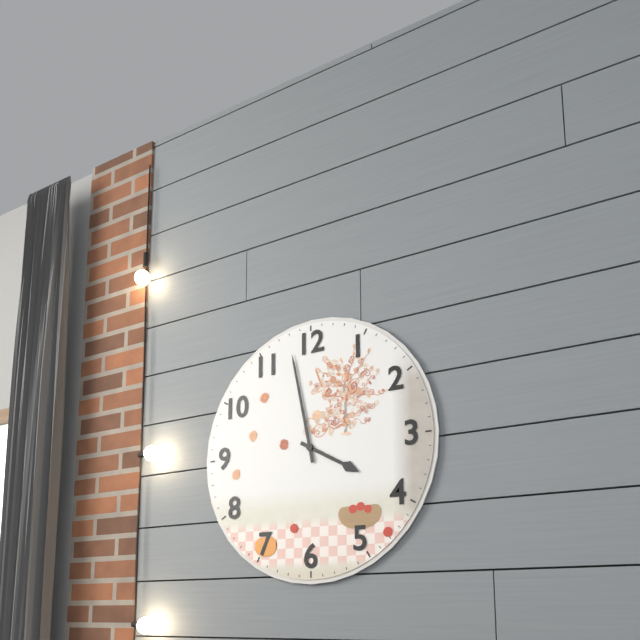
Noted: {"hour": 3, "minute": 58}
